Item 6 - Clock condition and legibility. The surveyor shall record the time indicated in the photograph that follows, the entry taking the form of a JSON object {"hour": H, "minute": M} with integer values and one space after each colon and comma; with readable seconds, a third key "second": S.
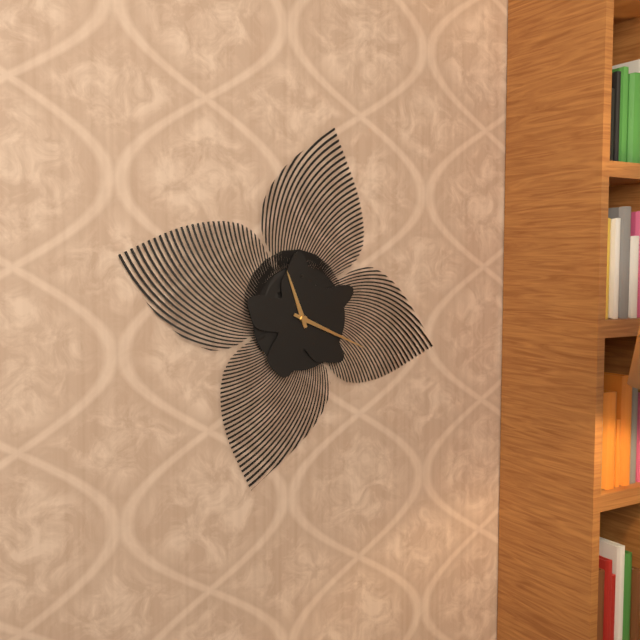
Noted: {"hour": 11, "minute": 19}
